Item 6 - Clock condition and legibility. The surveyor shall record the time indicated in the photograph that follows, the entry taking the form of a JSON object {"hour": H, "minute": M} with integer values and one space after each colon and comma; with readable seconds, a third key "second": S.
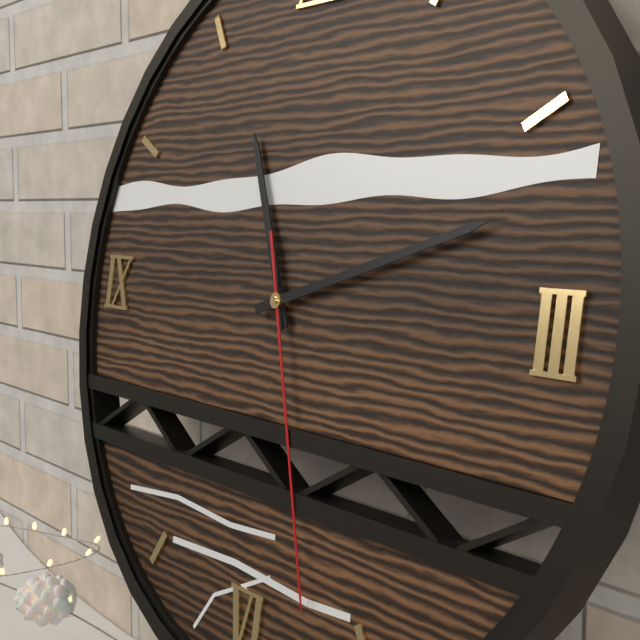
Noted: {"hour": 11, "minute": 12, "second": 27}
